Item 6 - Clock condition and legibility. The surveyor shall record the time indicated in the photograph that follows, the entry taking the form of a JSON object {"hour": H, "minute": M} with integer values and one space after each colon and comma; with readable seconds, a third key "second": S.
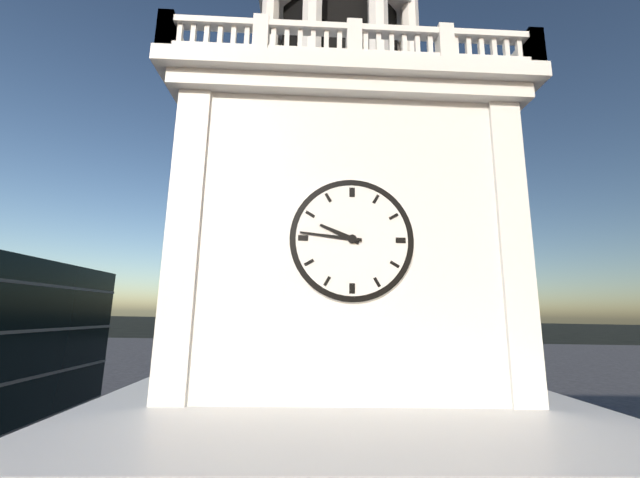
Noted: {"hour": 9, "minute": 46}
